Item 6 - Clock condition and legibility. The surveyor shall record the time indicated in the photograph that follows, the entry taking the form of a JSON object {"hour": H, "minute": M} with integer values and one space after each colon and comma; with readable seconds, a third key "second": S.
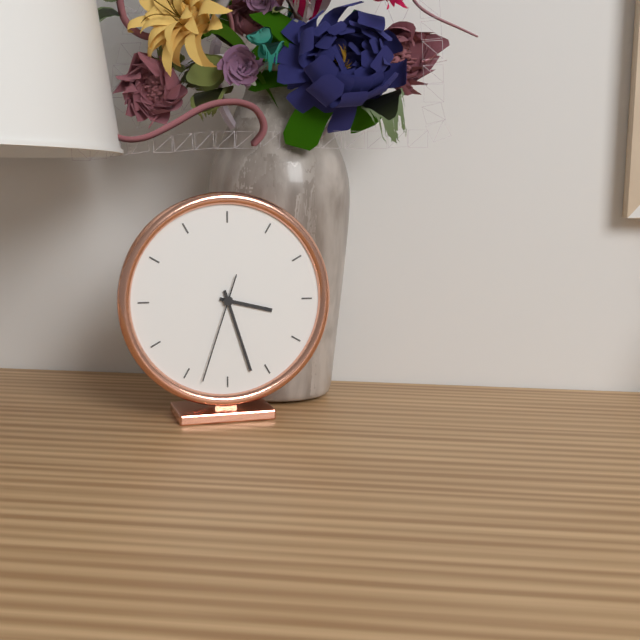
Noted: {"hour": 3, "minute": 27, "second": 33}
